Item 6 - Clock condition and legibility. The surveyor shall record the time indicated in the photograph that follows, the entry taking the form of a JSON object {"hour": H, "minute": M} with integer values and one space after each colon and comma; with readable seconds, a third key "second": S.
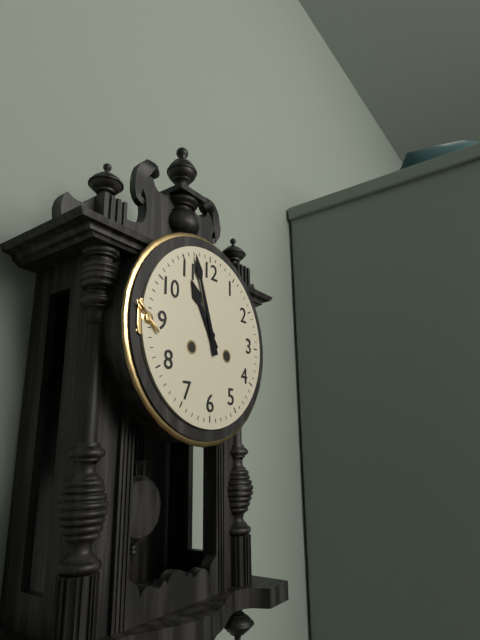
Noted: {"hour": 10, "minute": 57}
